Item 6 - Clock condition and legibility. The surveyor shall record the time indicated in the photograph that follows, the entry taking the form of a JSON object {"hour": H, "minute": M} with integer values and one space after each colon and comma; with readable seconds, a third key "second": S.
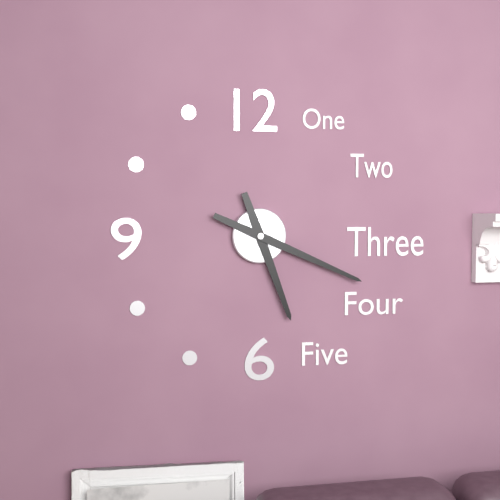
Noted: {"hour": 5, "minute": 19}
